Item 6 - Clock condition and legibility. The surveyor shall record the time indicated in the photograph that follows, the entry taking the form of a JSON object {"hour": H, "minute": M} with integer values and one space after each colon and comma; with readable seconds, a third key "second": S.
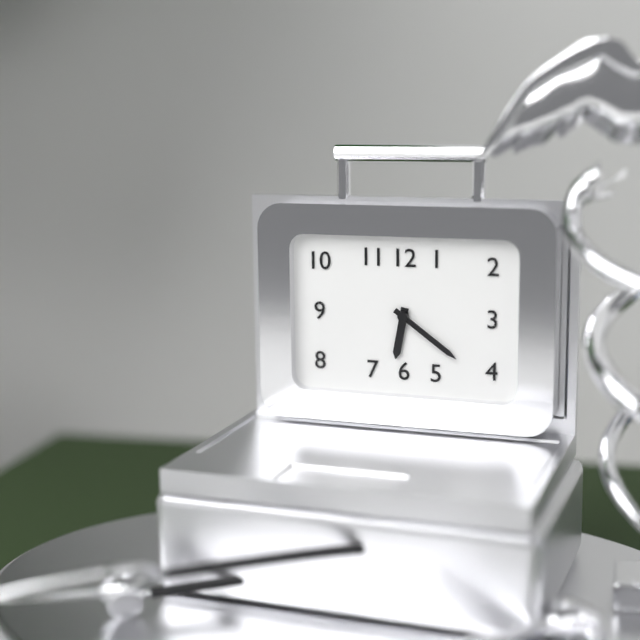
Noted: {"hour": 6, "minute": 21}
